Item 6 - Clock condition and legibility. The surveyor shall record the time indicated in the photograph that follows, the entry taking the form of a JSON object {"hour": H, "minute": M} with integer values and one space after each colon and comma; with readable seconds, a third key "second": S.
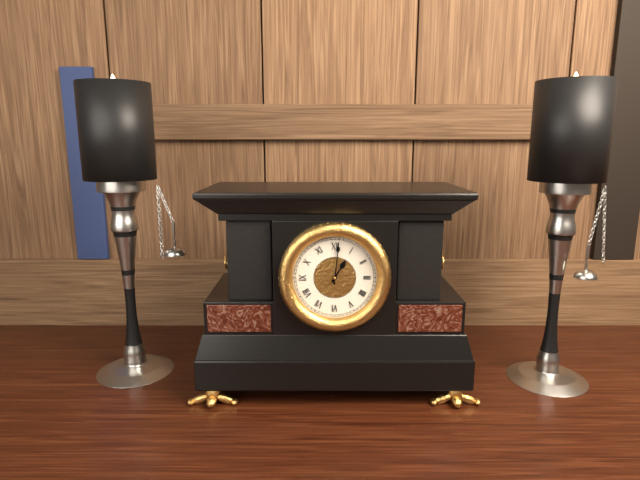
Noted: {"hour": 1, "minute": 1}
